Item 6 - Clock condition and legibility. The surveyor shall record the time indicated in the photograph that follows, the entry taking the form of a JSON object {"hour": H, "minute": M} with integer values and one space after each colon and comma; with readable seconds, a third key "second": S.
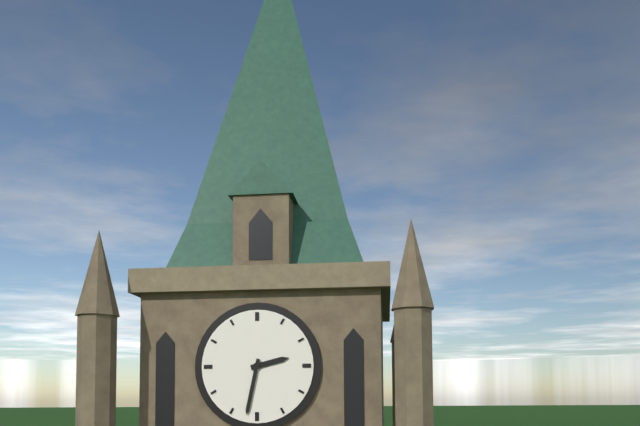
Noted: {"hour": 2, "minute": 32}
